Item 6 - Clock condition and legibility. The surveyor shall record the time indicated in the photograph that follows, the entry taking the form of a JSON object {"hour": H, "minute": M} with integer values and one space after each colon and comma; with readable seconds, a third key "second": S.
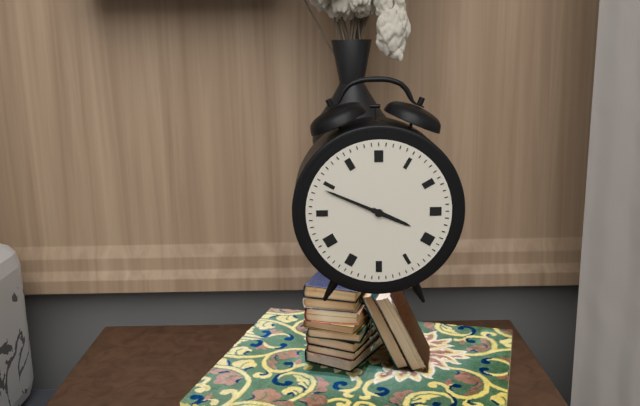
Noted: {"hour": 3, "minute": 49}
